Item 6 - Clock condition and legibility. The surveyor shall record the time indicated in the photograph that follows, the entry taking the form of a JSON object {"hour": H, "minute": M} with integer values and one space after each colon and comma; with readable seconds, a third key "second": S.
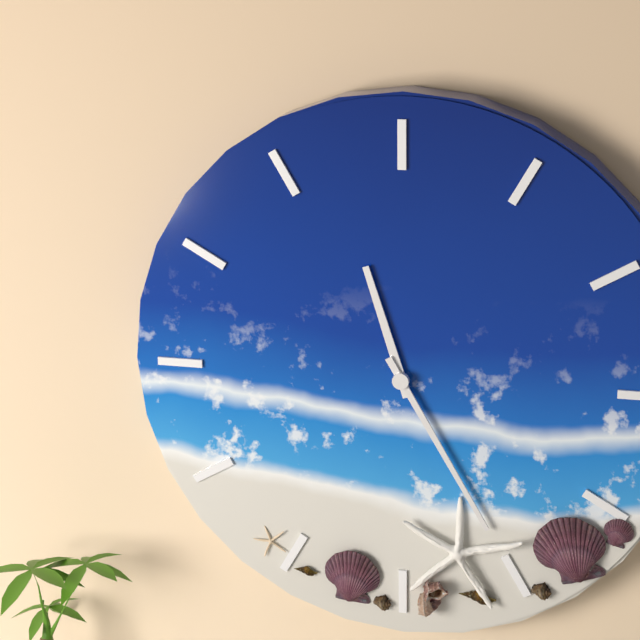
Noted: {"hour": 11, "minute": 25}
